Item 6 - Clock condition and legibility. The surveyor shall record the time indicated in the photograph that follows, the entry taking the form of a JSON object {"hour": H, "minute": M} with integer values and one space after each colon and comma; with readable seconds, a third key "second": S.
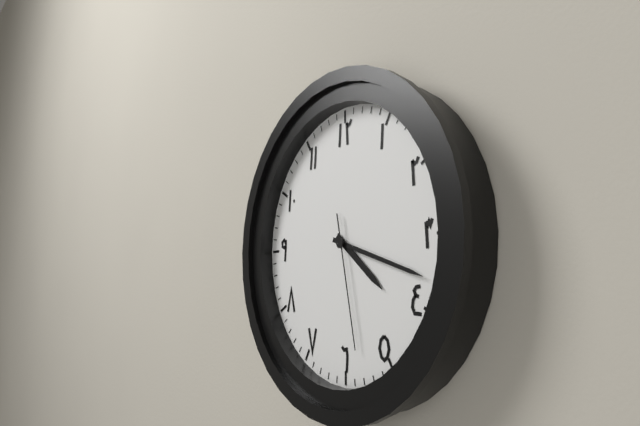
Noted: {"hour": 4, "minute": 18, "second": 28}
